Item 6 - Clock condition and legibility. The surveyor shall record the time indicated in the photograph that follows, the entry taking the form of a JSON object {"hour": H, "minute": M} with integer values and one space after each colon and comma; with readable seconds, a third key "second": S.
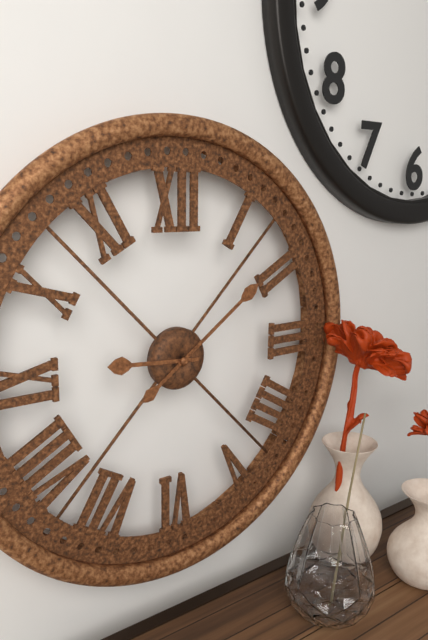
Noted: {"hour": 9, "minute": 9}
